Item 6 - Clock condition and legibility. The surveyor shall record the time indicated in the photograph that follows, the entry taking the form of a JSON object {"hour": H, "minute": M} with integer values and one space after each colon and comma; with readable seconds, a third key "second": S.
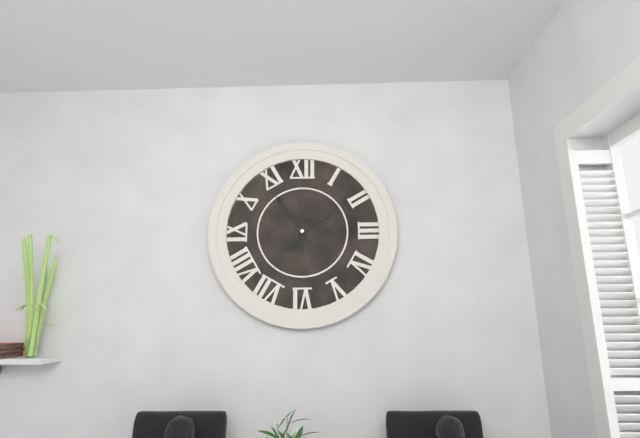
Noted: {"hour": 1, "minute": 54}
